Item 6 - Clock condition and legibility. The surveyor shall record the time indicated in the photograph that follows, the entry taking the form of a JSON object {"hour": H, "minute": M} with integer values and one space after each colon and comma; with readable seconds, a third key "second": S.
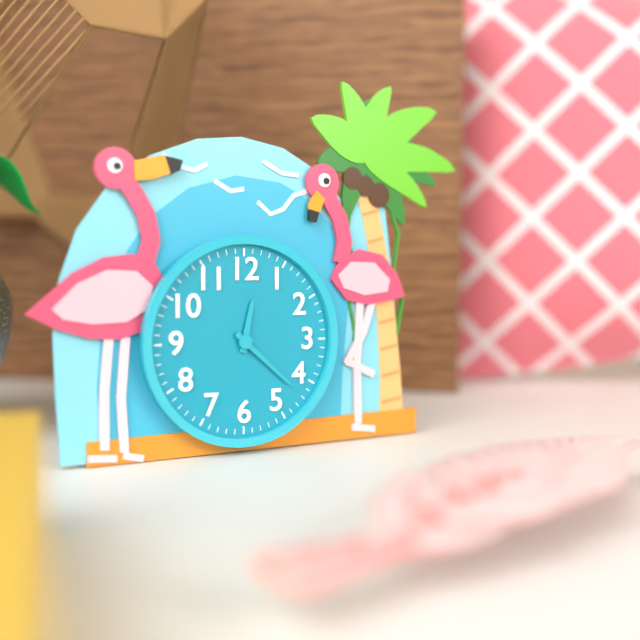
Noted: {"hour": 12, "minute": 22}
